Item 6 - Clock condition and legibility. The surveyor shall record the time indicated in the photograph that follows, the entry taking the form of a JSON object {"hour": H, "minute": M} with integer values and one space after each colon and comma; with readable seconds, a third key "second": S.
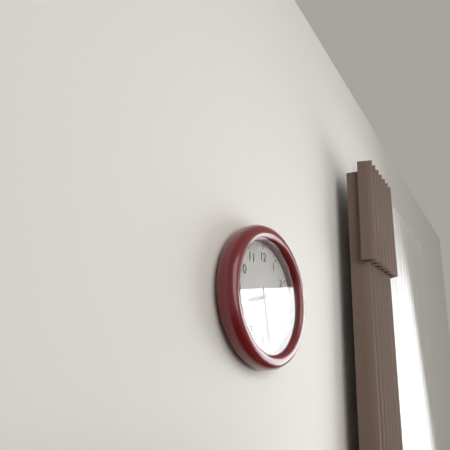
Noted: {"hour": 8, "minute": 28}
